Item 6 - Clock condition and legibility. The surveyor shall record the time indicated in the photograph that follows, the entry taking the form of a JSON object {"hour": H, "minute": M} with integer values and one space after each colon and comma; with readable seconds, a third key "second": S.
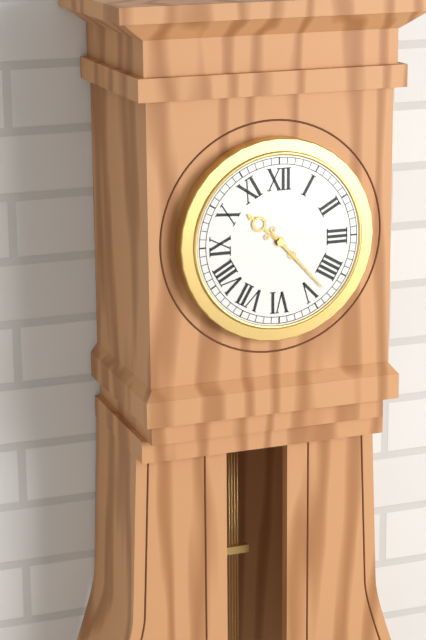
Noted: {"hour": 10, "minute": 23}
